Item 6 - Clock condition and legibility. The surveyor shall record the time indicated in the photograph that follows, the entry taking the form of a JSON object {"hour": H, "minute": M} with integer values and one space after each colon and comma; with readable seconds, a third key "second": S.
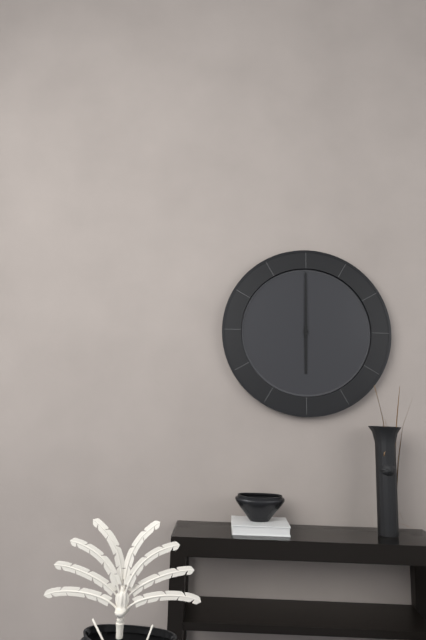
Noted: {"hour": 6, "minute": 0}
